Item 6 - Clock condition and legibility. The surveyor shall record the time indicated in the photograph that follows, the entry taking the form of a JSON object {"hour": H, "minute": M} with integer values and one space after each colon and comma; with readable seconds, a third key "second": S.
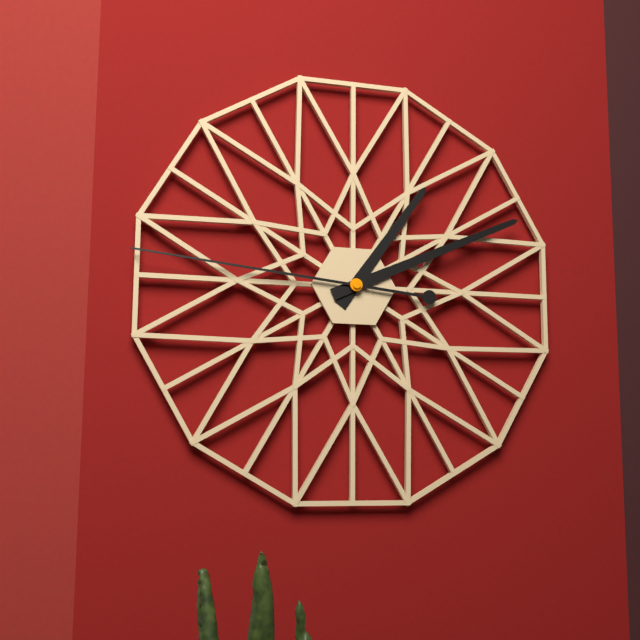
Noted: {"hour": 1, "minute": 11, "second": 46}
